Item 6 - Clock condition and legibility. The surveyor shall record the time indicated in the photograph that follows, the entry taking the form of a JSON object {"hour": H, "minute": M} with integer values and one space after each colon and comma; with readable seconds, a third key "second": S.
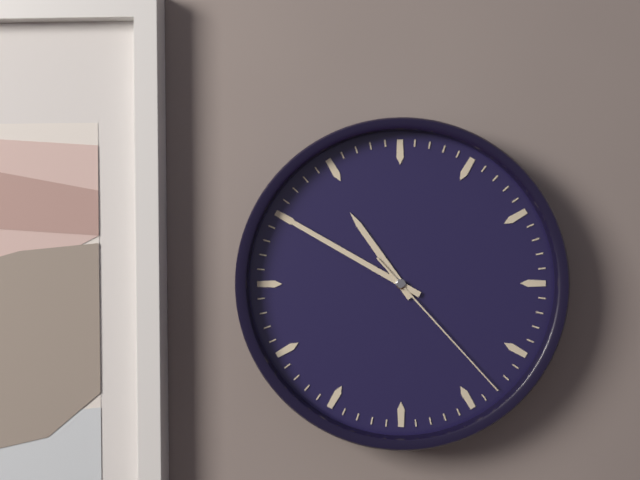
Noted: {"hour": 10, "minute": 50, "second": 23}
